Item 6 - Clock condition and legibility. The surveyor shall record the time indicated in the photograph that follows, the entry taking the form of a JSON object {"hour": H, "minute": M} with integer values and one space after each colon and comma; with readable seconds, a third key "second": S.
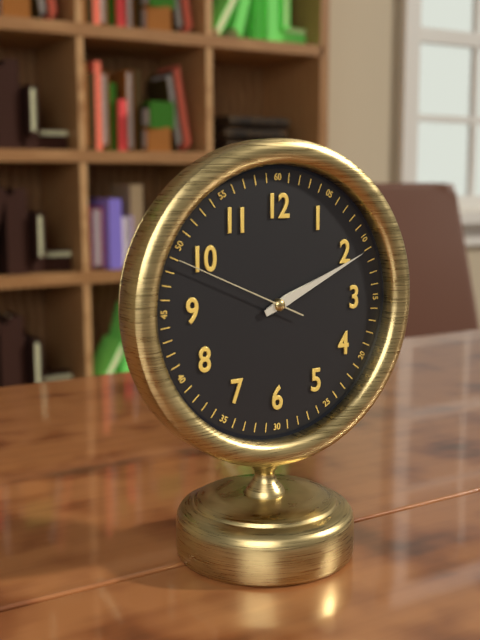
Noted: {"hour": 2, "minute": 11, "second": 49}
